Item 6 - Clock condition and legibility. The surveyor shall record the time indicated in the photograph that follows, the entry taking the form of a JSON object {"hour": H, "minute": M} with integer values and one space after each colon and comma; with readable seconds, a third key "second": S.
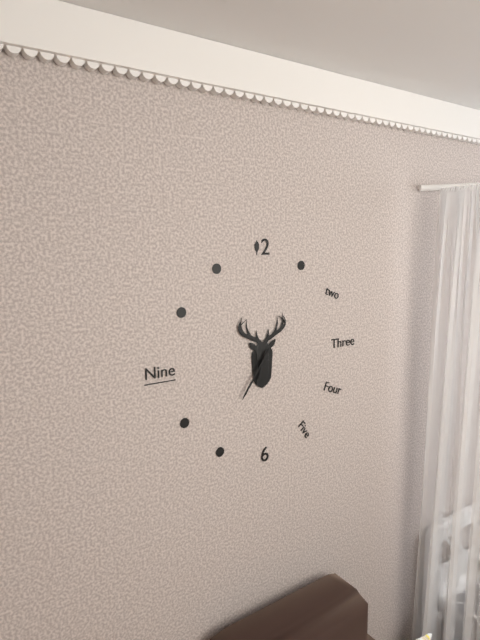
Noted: {"hour": 6, "minute": 36}
